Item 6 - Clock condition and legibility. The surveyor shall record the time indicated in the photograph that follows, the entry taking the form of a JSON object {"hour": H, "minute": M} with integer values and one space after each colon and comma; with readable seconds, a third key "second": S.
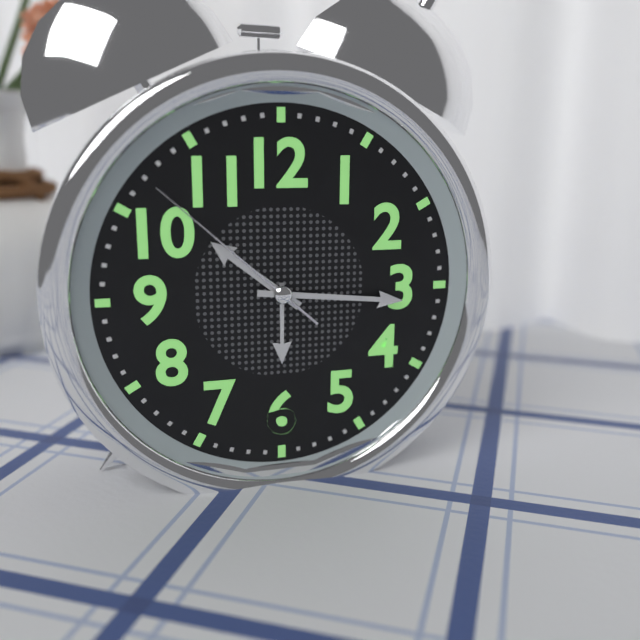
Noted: {"hour": 10, "minute": 16, "second": 52}
